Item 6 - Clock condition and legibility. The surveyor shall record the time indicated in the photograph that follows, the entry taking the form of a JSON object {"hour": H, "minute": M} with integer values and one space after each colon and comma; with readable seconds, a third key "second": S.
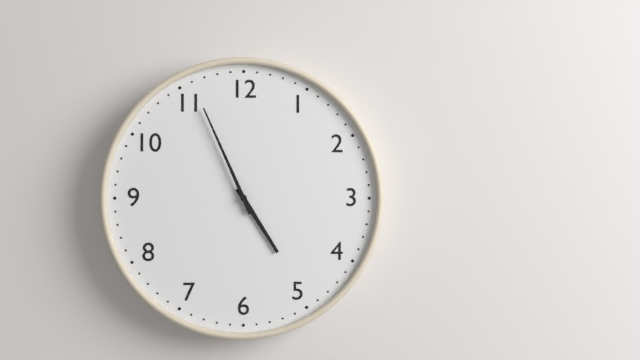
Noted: {"hour": 4, "minute": 56}
